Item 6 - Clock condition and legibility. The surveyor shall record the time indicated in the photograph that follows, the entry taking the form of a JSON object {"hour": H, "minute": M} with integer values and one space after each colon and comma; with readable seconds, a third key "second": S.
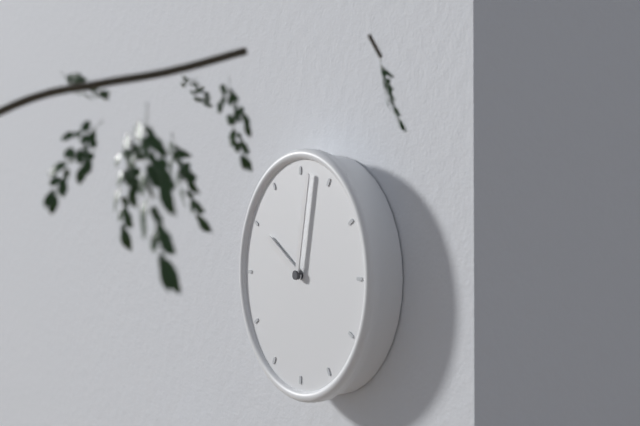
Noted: {"hour": 10, "minute": 2}
